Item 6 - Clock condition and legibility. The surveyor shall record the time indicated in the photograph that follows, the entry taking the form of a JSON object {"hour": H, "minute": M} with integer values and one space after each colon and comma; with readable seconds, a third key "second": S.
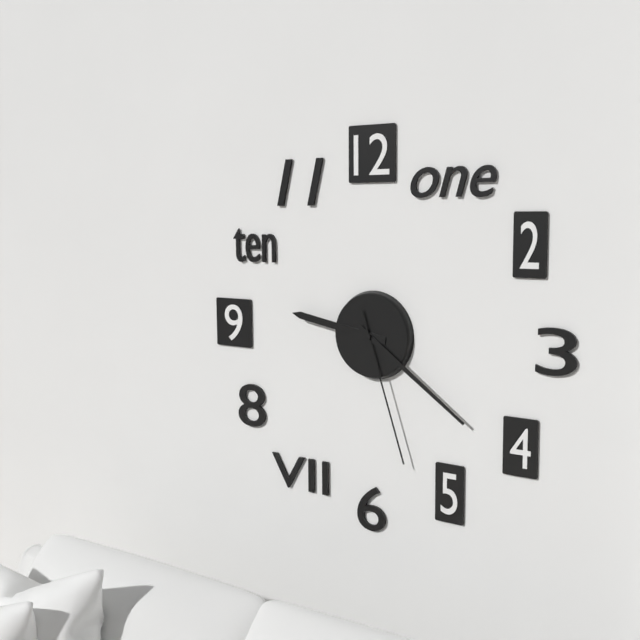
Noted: {"hour": 9, "minute": 21, "second": 27}
